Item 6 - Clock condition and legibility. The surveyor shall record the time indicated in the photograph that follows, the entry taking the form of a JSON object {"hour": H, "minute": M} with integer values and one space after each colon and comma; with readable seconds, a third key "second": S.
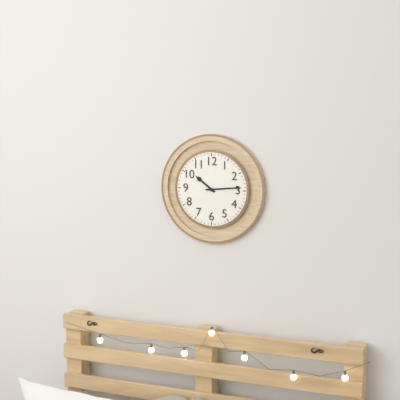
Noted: {"hour": 10, "minute": 14}
